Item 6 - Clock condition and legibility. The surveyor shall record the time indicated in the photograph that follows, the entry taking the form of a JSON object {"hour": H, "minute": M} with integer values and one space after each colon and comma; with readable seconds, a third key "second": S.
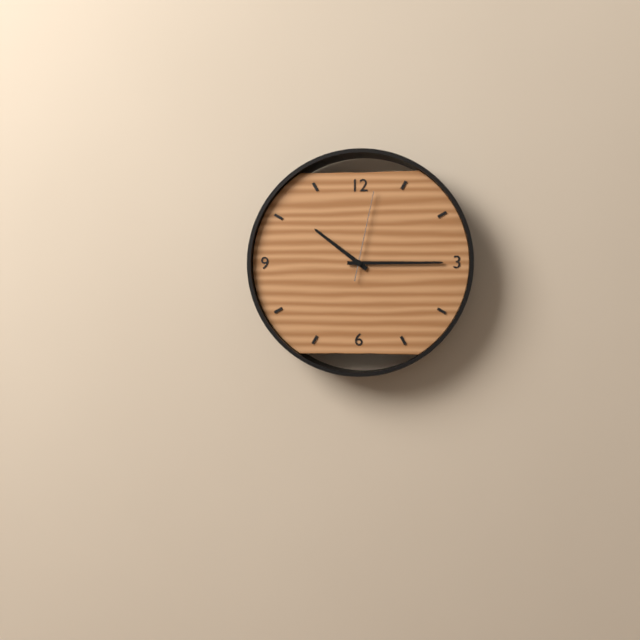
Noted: {"hour": 10, "minute": 15, "second": 2}
